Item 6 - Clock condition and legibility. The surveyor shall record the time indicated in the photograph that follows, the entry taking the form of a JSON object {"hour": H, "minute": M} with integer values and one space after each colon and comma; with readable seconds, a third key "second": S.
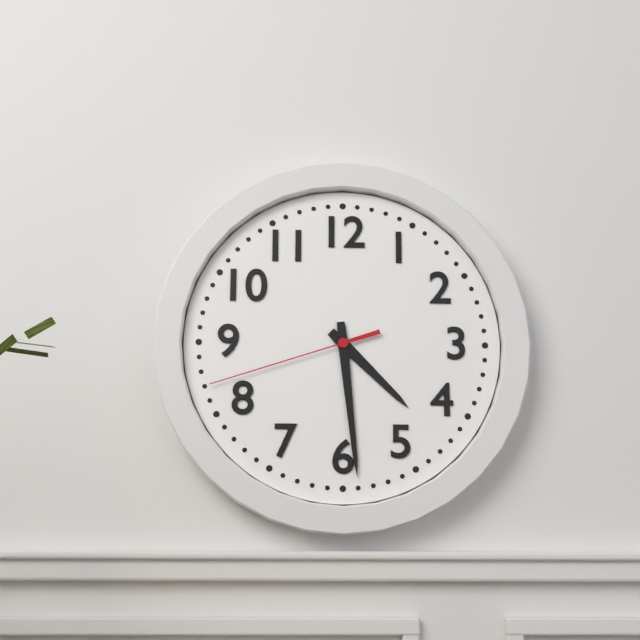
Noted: {"hour": 4, "minute": 29, "second": 42}
